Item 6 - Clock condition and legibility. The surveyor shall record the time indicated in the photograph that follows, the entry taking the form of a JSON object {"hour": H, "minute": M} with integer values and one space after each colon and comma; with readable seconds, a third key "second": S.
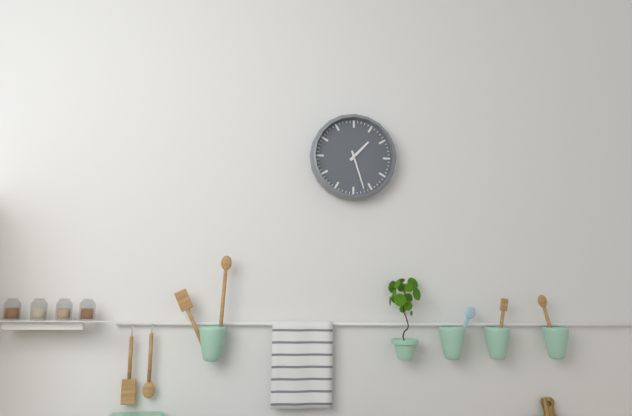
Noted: {"hour": 1, "minute": 27}
